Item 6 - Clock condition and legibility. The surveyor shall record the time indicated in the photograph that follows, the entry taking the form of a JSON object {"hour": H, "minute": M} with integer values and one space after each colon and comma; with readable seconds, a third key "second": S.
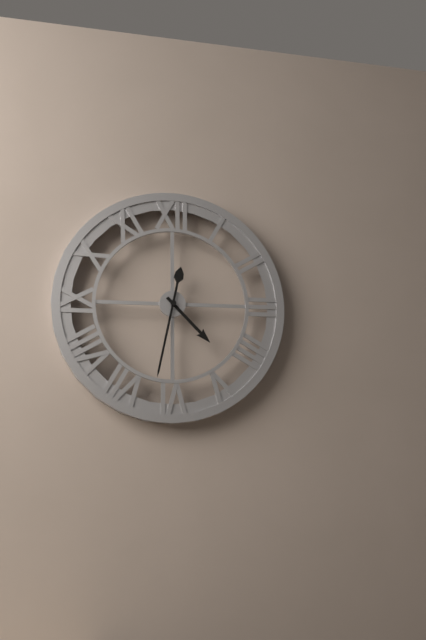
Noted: {"hour": 4, "minute": 32}
